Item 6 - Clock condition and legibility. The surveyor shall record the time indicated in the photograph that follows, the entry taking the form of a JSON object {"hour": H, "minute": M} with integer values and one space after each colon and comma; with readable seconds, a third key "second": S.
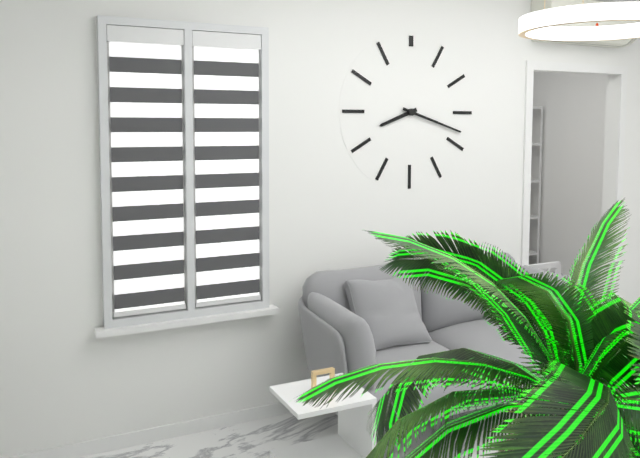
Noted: {"hour": 8, "minute": 18}
